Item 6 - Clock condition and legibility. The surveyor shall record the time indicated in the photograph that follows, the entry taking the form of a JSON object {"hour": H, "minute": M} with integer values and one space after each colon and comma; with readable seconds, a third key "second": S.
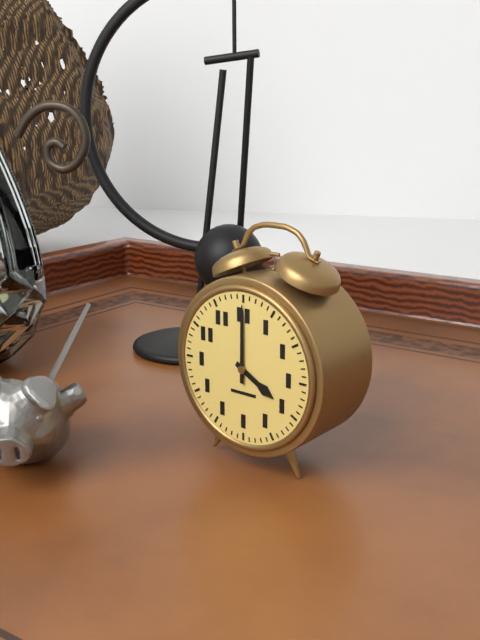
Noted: {"hour": 4, "minute": 0}
